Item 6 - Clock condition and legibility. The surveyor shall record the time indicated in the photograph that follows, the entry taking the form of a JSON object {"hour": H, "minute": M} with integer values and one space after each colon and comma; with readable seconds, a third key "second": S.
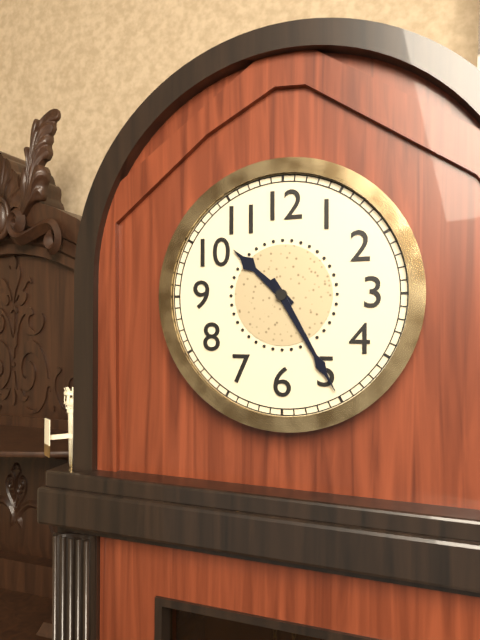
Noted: {"hour": 10, "minute": 25}
